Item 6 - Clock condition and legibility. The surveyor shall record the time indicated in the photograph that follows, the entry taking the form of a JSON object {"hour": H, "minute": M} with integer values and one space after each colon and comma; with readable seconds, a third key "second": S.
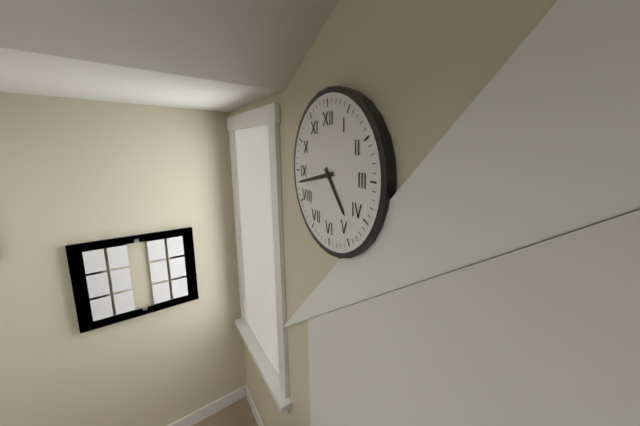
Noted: {"hour": 4, "minute": 43}
